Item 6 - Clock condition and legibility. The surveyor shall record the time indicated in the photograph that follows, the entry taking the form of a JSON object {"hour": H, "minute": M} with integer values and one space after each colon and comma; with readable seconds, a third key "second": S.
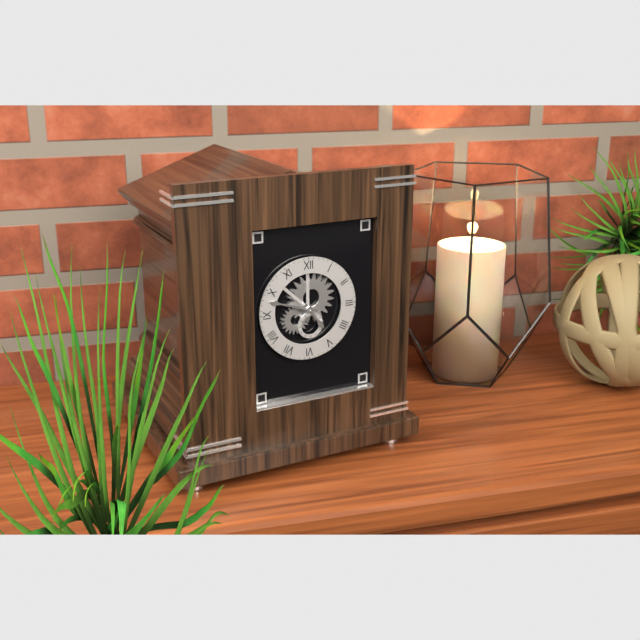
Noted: {"hour": 4, "minute": 48}
